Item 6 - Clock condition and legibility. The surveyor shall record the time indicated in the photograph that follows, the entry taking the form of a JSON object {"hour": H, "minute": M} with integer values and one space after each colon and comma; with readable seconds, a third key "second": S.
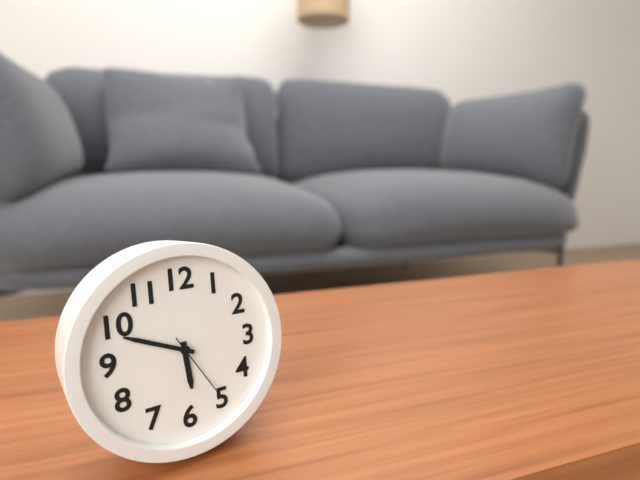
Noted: {"hour": 5, "minute": 49, "second": 25}
